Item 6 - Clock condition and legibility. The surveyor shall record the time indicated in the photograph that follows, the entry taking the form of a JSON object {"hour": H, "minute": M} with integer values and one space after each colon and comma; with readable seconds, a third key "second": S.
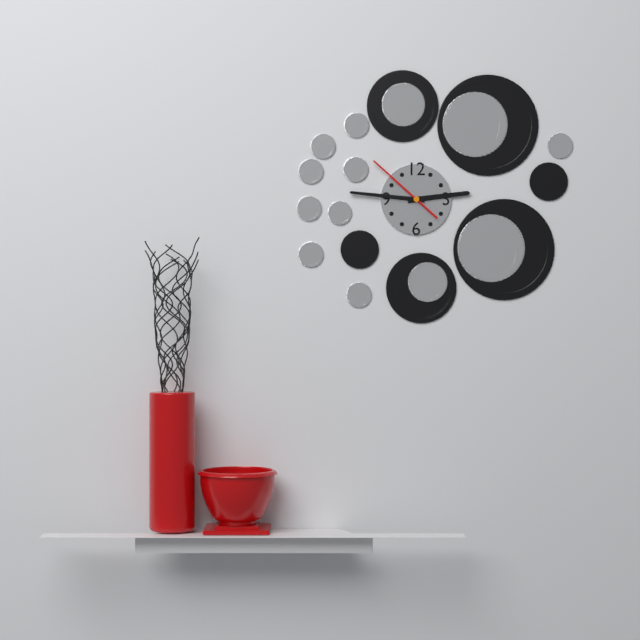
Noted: {"hour": 2, "minute": 46, "second": 52}
